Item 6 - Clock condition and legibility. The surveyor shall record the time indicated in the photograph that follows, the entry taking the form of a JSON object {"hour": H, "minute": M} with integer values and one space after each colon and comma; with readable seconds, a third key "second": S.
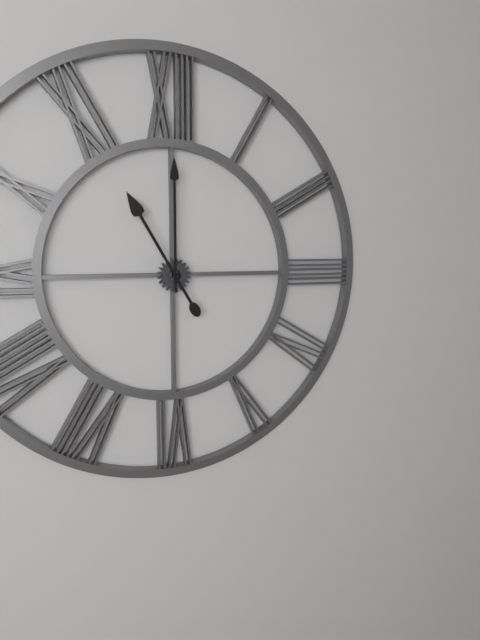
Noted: {"hour": 11, "minute": 0}
